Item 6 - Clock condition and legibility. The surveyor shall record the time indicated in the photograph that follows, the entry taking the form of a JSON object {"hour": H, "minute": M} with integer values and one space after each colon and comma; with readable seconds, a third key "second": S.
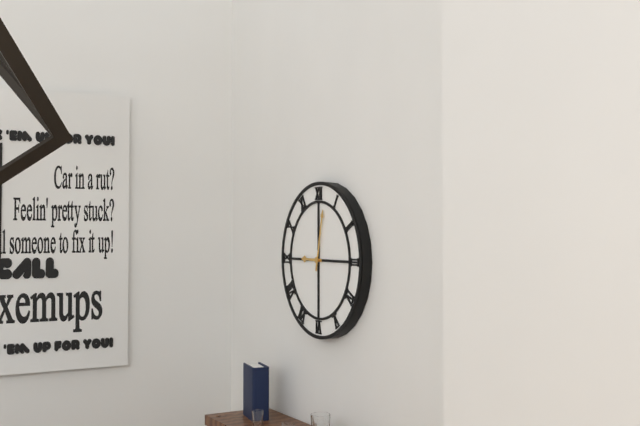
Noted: {"hour": 9, "minute": 2}
